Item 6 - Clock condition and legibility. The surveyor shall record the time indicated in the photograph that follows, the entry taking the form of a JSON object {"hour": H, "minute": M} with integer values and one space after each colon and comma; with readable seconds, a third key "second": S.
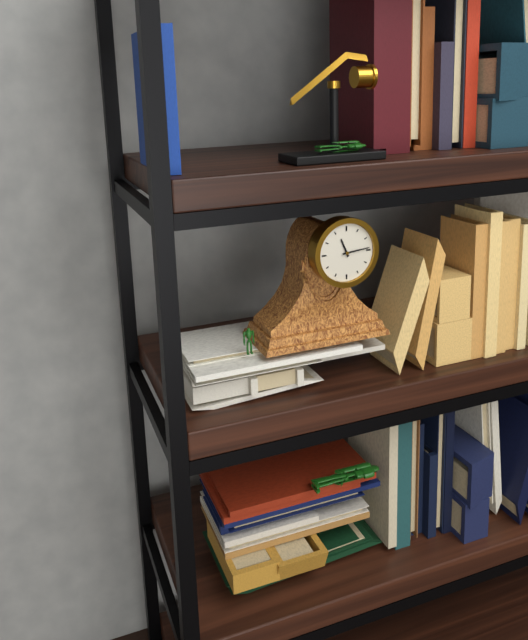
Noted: {"hour": 11, "minute": 14}
